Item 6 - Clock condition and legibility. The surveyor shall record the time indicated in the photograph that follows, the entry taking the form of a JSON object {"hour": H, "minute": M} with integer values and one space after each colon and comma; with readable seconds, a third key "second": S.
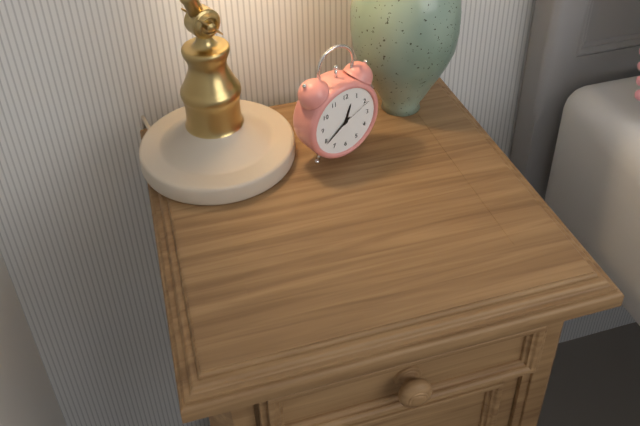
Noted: {"hour": 12, "minute": 39}
